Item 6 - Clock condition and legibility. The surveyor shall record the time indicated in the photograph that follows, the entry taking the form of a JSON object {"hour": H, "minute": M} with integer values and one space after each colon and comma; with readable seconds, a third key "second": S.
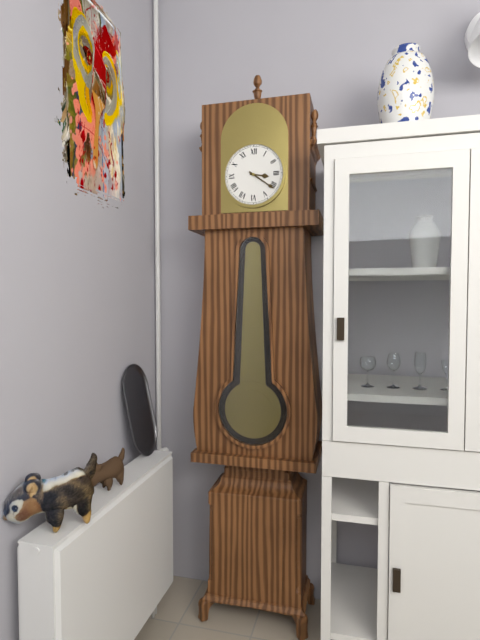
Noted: {"hour": 3, "minute": 21}
